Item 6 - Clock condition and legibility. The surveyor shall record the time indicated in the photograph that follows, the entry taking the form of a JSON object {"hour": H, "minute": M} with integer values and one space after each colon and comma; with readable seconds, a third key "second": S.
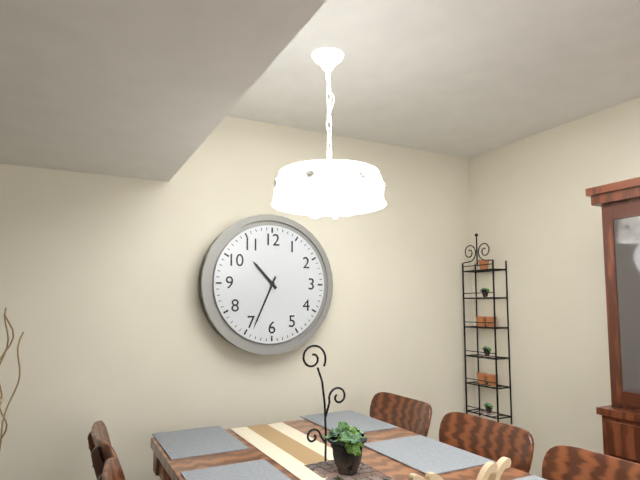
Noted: {"hour": 10, "minute": 34}
